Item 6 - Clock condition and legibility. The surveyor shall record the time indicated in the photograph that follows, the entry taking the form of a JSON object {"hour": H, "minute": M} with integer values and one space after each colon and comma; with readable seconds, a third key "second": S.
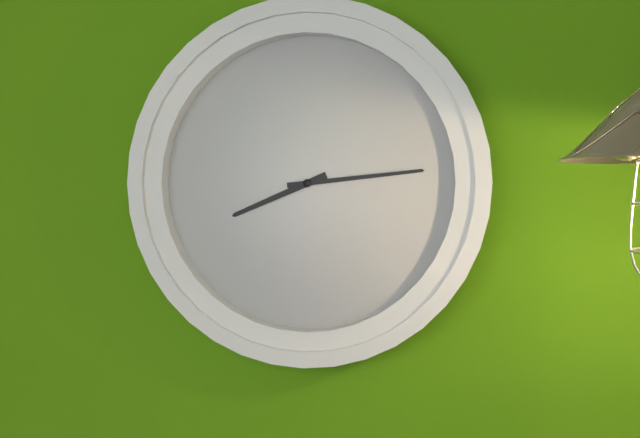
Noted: {"hour": 8, "minute": 14}
